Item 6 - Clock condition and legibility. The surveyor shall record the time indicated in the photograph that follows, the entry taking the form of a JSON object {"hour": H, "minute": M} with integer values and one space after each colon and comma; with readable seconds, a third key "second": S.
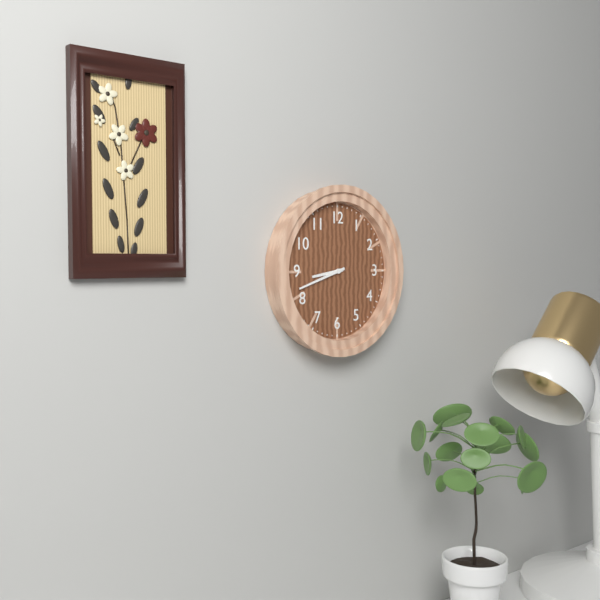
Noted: {"hour": 8, "minute": 42}
